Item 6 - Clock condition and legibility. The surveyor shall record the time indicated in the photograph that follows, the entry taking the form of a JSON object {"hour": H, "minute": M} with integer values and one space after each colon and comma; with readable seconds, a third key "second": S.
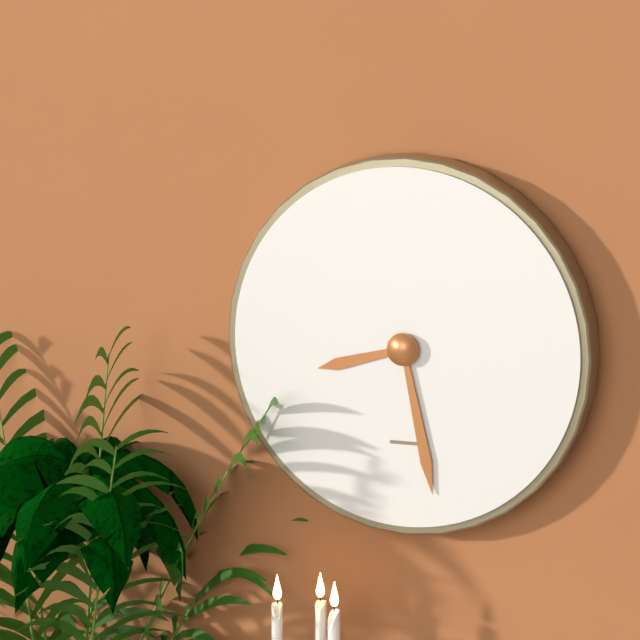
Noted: {"hour": 8, "minute": 28}
